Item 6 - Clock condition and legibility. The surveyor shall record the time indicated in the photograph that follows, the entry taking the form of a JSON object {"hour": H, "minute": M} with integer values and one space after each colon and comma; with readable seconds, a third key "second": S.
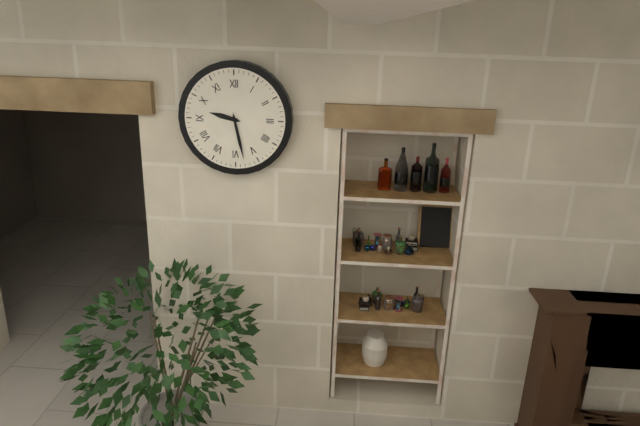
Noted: {"hour": 9, "minute": 28}
